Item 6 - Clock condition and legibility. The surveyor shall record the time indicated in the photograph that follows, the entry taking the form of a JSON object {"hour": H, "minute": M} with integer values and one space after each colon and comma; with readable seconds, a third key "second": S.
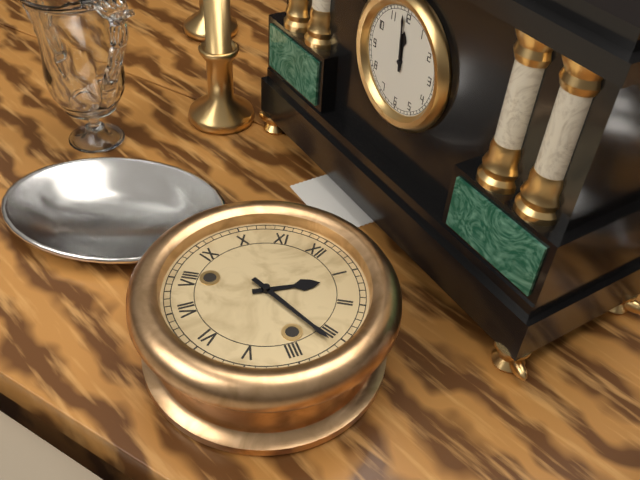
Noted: {"hour": 1, "minute": 16}
